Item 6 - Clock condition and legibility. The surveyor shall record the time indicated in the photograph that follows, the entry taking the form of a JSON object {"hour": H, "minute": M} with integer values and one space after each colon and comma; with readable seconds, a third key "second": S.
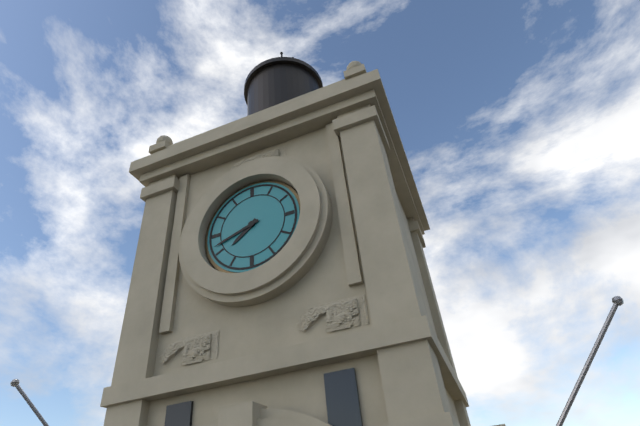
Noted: {"hour": 7, "minute": 42}
